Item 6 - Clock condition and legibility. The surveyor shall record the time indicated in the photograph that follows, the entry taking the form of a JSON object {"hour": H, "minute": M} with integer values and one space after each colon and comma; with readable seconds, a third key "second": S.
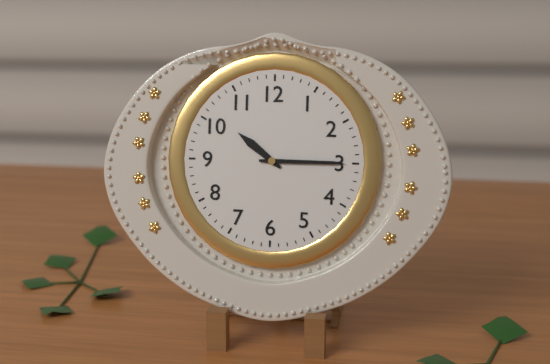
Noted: {"hour": 10, "minute": 15}
